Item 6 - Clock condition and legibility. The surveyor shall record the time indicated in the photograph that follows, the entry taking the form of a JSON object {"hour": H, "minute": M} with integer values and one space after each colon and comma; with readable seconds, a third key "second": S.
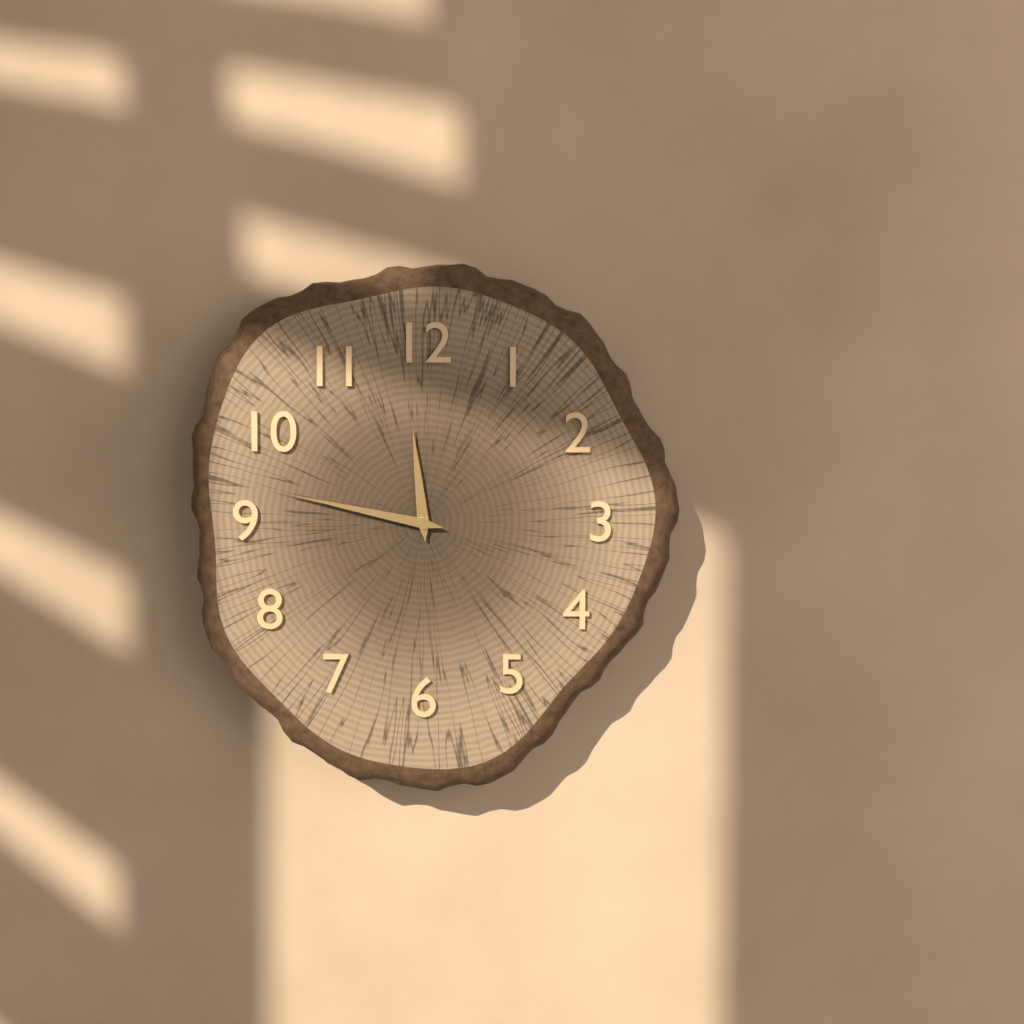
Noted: {"hour": 11, "minute": 47}
